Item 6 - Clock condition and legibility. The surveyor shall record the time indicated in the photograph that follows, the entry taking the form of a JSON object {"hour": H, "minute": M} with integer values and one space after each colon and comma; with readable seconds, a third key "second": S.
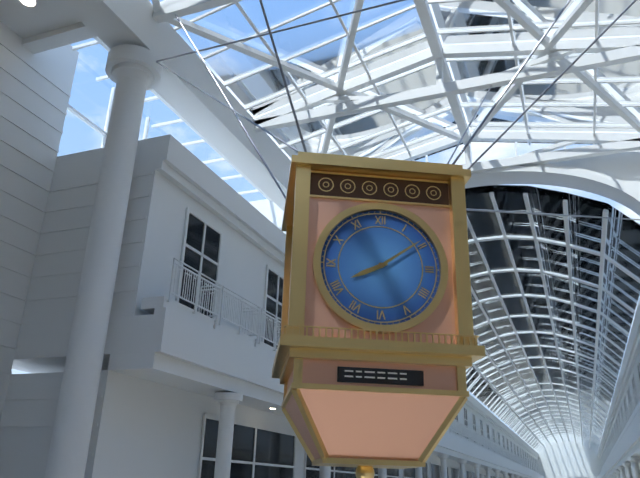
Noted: {"hour": 8, "minute": 9}
